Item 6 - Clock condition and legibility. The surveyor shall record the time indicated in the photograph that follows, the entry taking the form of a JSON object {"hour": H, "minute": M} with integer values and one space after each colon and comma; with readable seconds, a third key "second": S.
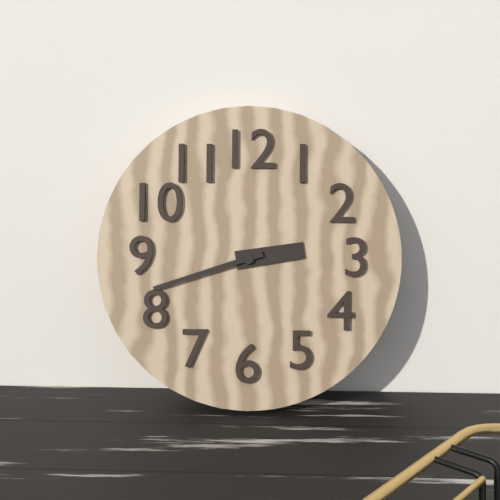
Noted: {"hour": 2, "minute": 42}
